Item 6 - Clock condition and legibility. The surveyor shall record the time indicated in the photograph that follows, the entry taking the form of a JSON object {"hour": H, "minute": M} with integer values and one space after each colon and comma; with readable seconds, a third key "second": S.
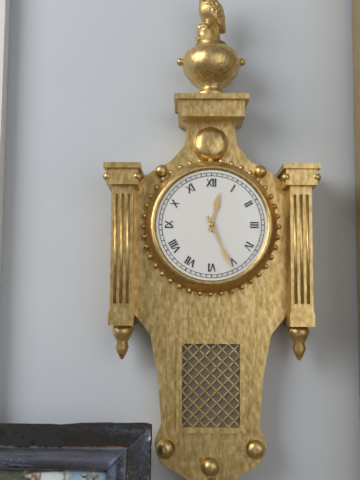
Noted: {"hour": 12, "minute": 26}
